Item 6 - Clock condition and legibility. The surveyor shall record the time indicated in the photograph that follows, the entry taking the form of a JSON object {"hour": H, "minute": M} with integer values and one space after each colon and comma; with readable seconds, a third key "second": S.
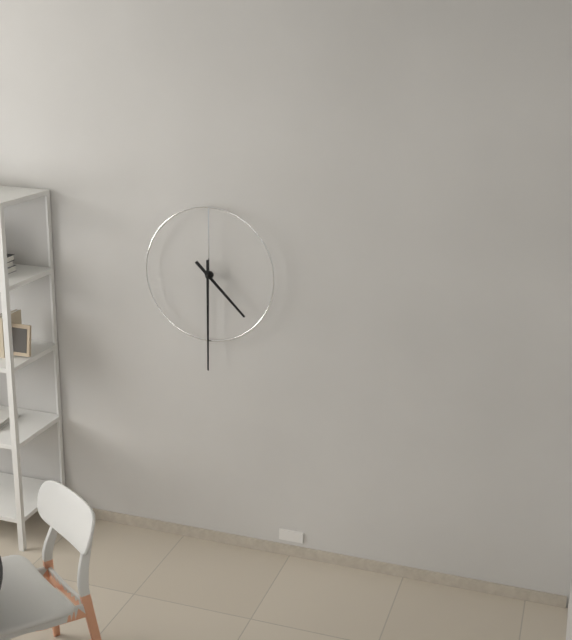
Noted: {"hour": 4, "minute": 30}
